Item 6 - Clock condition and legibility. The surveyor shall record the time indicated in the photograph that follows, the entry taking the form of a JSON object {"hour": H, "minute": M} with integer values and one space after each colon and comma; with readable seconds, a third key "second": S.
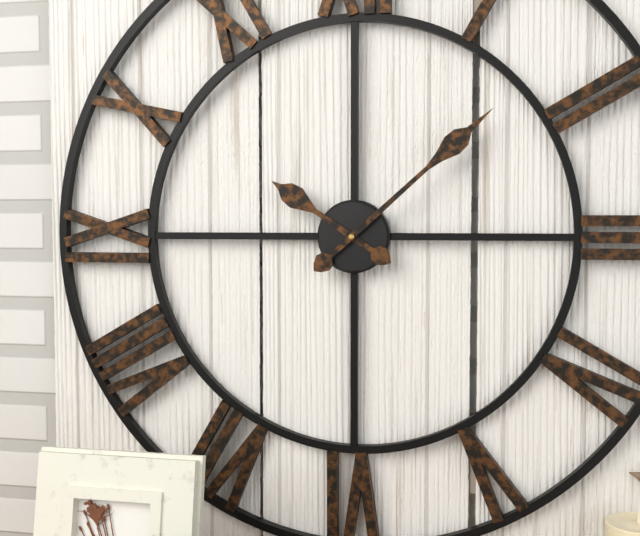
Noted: {"hour": 10, "minute": 8}
